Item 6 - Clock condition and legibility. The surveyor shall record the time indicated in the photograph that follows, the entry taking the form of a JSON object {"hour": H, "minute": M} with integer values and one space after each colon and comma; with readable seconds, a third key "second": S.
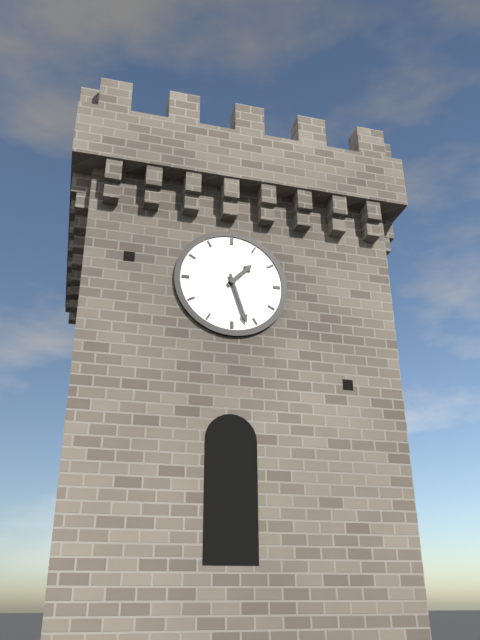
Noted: {"hour": 1, "minute": 27}
